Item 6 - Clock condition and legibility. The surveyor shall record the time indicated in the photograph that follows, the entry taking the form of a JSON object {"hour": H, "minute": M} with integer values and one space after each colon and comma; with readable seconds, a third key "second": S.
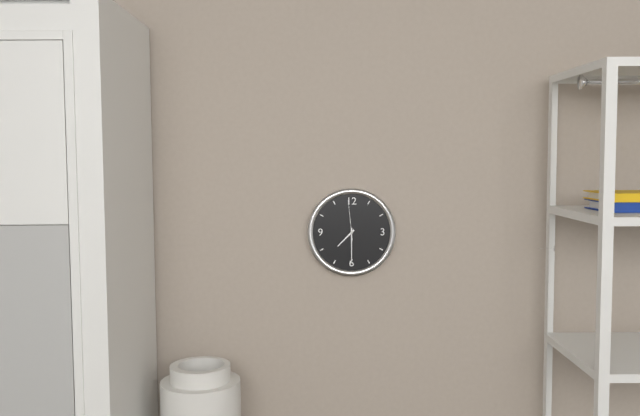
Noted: {"hour": 7, "minute": 30}
